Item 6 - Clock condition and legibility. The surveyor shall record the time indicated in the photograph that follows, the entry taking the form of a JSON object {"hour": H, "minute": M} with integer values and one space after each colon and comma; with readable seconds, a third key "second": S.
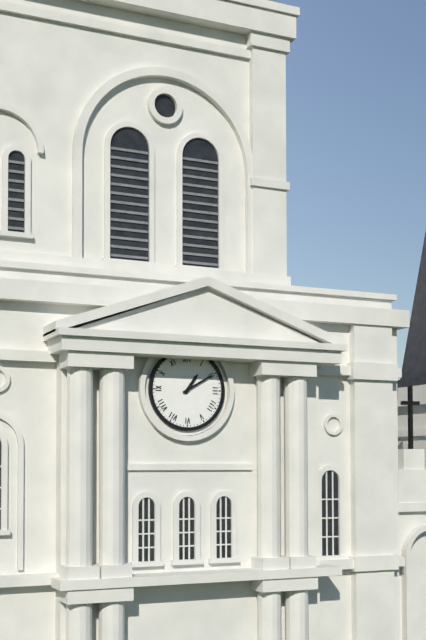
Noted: {"hour": 1, "minute": 10}
